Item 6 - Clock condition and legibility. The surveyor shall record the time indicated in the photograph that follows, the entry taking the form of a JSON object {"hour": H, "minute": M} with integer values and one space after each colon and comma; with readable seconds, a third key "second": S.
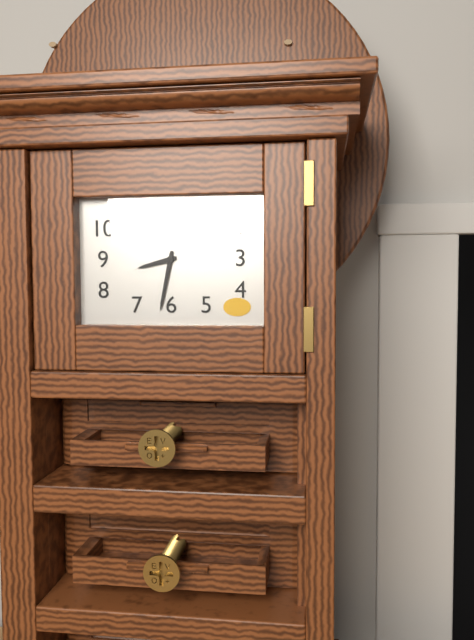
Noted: {"hour": 8, "minute": 32}
